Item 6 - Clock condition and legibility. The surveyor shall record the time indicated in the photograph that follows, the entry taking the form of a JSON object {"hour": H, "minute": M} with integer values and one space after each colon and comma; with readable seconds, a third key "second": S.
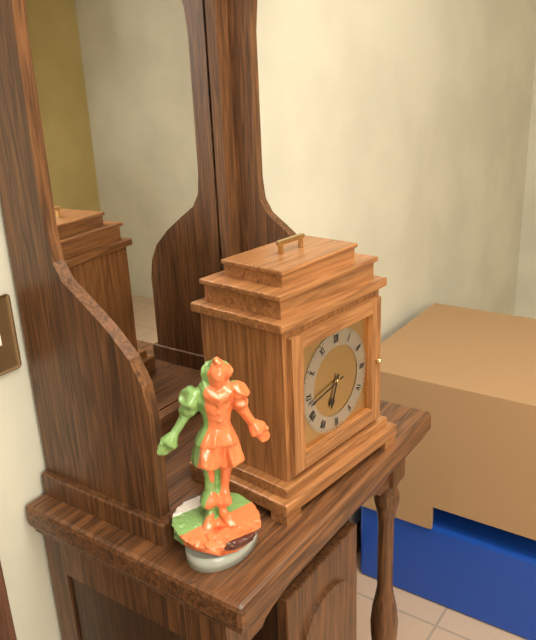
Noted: {"hour": 6, "minute": 43}
